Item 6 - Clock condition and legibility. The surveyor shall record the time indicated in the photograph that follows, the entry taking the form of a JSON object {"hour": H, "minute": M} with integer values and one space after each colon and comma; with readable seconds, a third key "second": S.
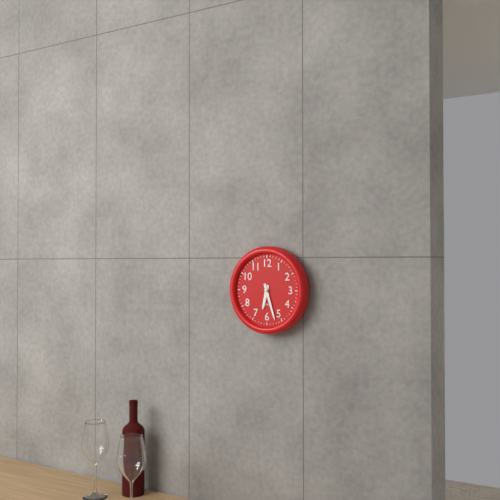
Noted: {"hour": 6, "minute": 27}
